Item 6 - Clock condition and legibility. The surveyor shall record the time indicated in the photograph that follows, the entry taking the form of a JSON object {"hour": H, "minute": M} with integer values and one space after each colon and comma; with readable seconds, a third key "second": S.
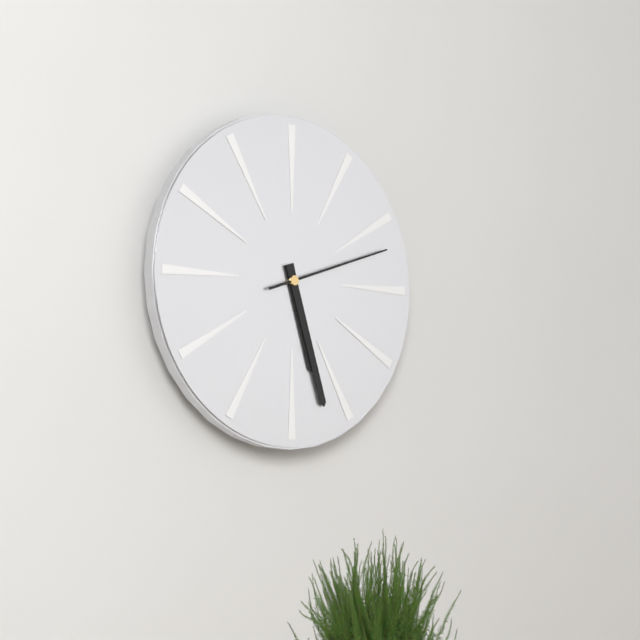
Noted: {"hour": 5, "minute": 27, "second": 12}
